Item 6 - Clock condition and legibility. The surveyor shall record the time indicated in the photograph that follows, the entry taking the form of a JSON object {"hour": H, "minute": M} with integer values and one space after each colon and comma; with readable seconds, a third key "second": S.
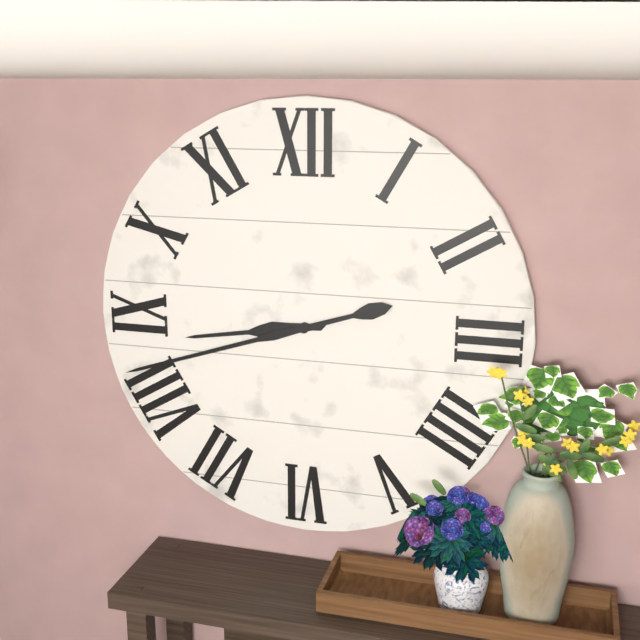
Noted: {"hour": 8, "minute": 42}
